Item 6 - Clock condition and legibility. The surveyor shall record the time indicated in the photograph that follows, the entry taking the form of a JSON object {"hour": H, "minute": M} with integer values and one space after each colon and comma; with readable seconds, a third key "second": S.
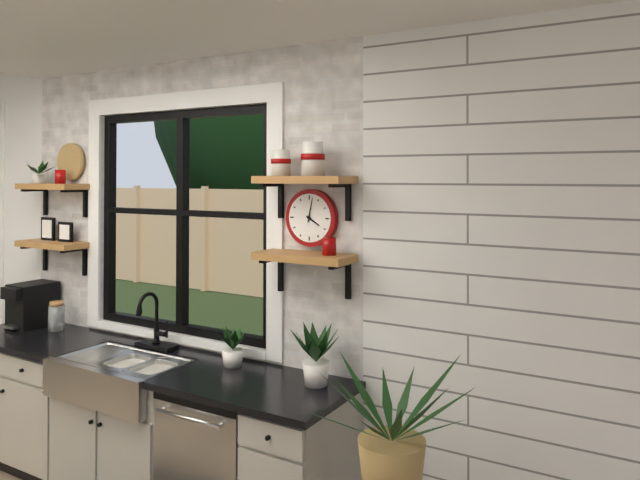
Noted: {"hour": 4, "minute": 2}
